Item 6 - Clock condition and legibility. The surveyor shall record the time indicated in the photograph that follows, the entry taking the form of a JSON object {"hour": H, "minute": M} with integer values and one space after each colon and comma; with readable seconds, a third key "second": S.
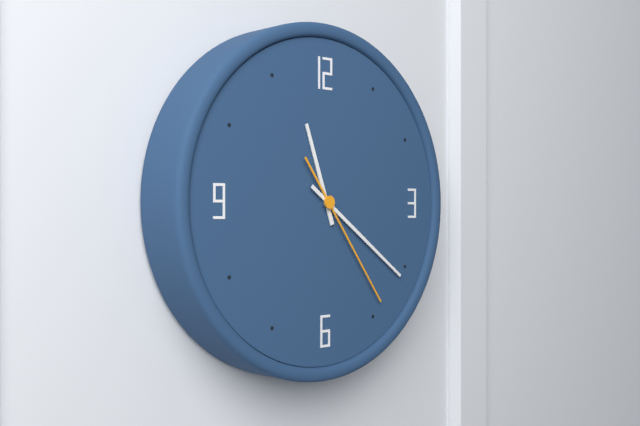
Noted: {"hour": 11, "minute": 21, "second": 24}
